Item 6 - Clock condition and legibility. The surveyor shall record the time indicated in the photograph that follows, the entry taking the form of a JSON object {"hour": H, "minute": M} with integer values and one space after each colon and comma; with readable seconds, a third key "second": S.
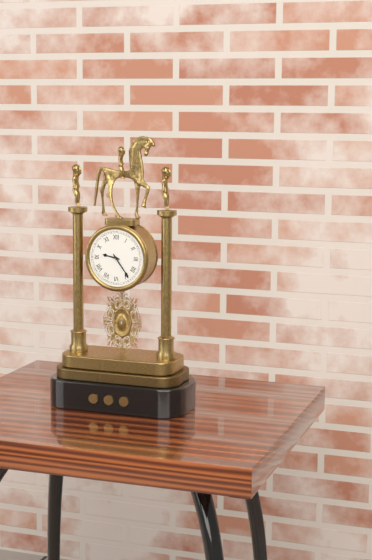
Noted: {"hour": 9, "minute": 24}
